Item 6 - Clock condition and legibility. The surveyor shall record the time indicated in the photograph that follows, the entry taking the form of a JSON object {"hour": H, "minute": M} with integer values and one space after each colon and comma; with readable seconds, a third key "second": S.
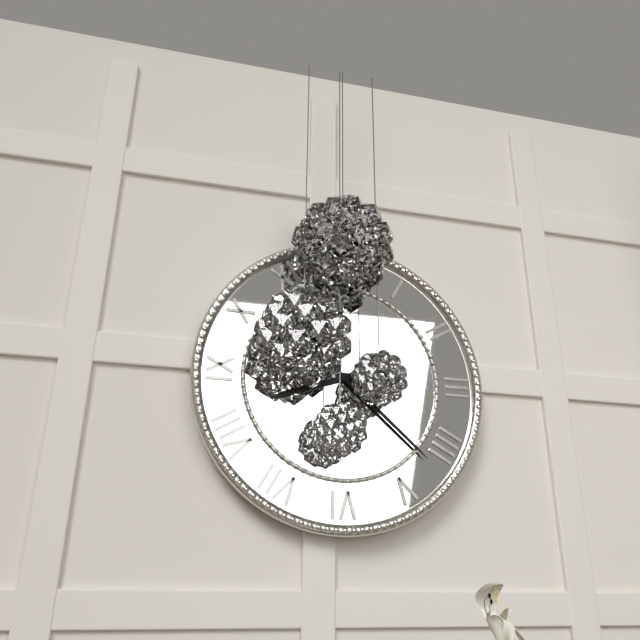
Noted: {"hour": 8, "minute": 22}
